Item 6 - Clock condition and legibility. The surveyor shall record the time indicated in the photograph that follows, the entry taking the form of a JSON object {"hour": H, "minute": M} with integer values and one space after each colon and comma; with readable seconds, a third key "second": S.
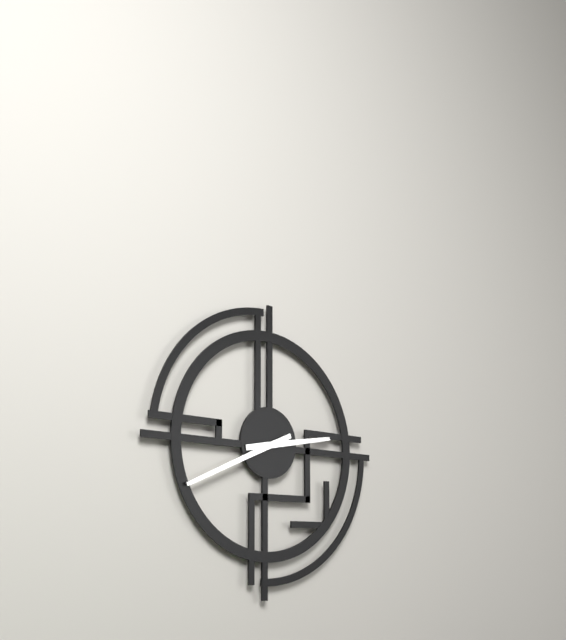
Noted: {"hour": 2, "minute": 41}
